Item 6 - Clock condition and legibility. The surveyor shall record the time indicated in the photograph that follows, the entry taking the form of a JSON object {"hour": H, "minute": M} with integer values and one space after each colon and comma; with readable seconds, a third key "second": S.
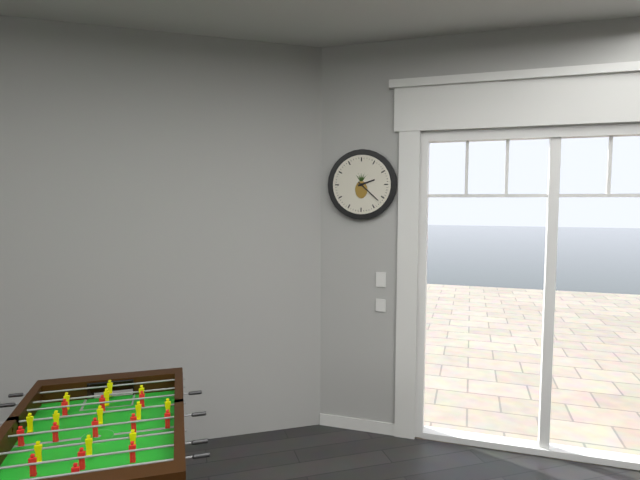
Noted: {"hour": 2, "minute": 22}
